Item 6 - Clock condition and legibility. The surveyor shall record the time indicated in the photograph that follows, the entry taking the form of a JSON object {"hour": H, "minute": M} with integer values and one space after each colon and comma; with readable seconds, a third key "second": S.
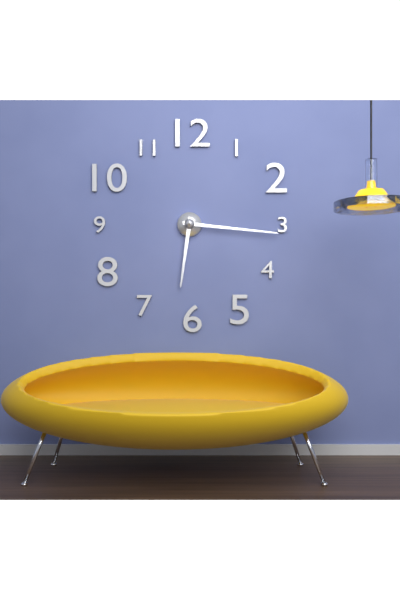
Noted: {"hour": 6, "minute": 16}
